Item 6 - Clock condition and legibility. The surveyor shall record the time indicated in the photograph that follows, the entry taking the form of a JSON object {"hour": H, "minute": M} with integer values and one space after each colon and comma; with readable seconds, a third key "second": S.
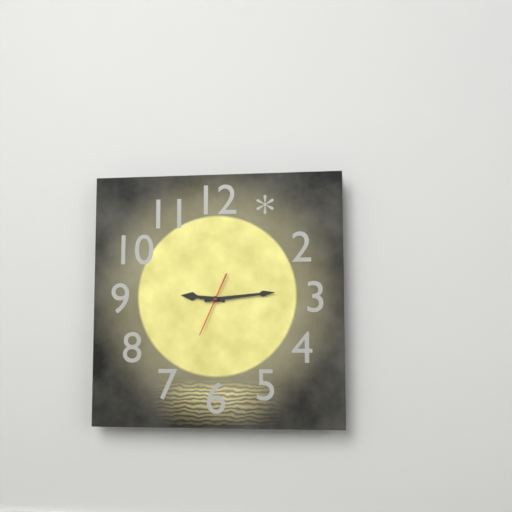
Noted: {"hour": 9, "minute": 14}
